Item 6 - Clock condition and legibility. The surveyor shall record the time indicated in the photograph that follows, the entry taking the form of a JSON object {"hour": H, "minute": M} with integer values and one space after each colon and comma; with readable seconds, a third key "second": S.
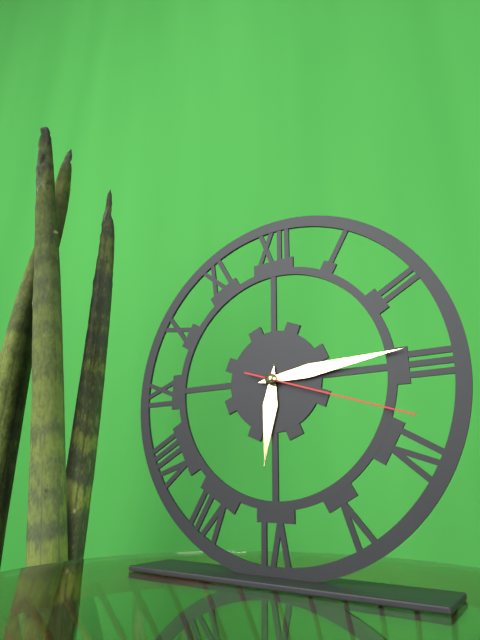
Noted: {"hour": 6, "minute": 14, "second": 18}
